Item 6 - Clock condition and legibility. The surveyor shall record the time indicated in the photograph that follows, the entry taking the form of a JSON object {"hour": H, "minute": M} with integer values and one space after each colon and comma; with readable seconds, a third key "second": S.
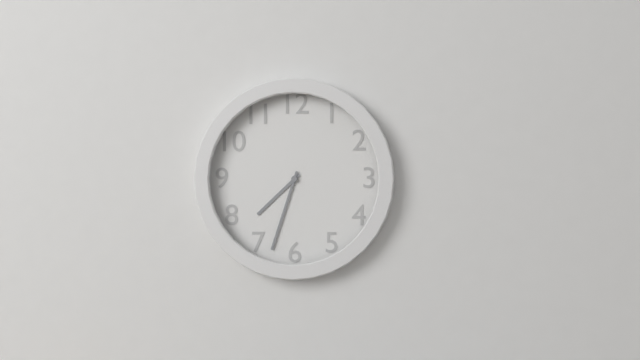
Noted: {"hour": 7, "minute": 33}
